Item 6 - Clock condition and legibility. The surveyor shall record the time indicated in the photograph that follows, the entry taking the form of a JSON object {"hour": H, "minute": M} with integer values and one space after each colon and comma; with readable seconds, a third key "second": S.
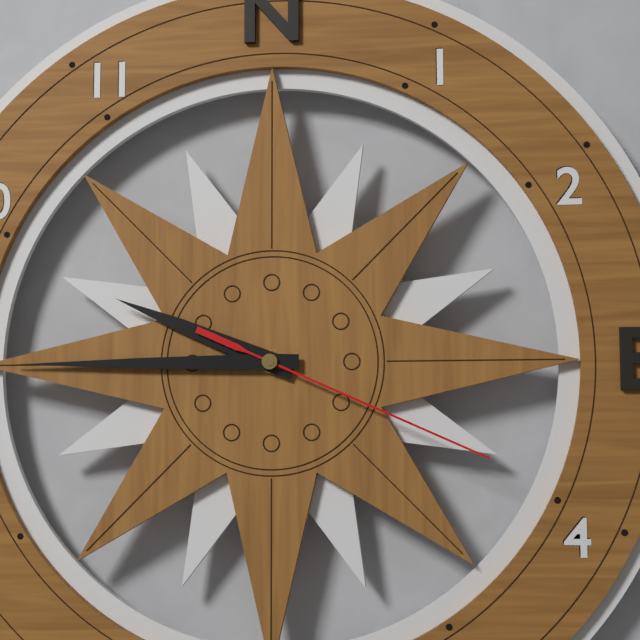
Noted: {"hour": 9, "minute": 45, "second": 19}
